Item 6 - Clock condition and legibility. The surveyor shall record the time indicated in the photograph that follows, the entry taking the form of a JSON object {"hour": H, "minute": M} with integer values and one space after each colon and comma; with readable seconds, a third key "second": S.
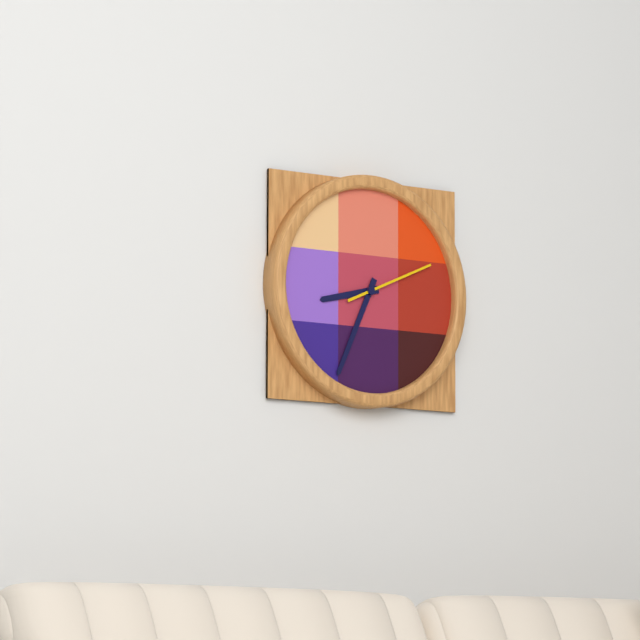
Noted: {"hour": 8, "minute": 34, "second": 11}
